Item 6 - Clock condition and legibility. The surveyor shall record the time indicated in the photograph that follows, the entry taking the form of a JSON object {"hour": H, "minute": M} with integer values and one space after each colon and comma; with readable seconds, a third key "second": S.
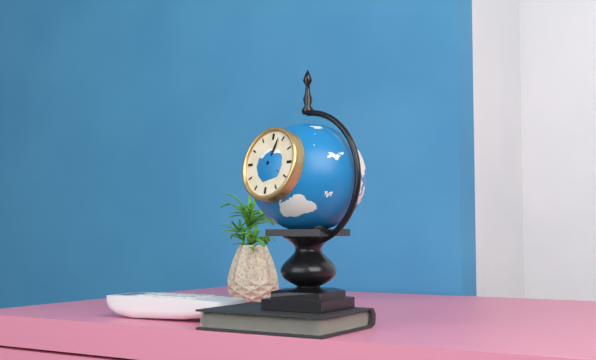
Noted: {"hour": 4, "minute": 3}
